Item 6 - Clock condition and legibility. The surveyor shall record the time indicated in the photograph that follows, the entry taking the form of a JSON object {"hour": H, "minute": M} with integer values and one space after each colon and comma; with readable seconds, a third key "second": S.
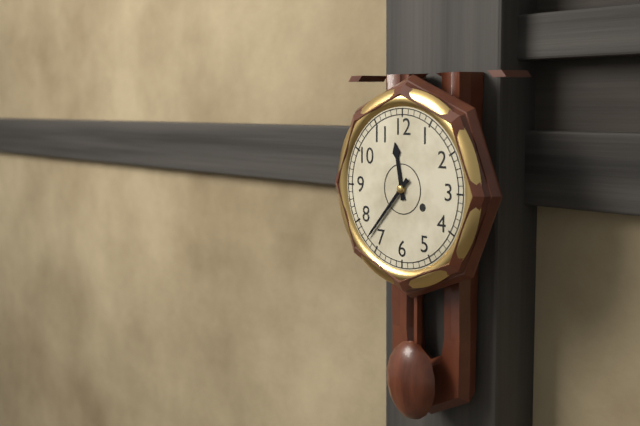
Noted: {"hour": 11, "minute": 37}
